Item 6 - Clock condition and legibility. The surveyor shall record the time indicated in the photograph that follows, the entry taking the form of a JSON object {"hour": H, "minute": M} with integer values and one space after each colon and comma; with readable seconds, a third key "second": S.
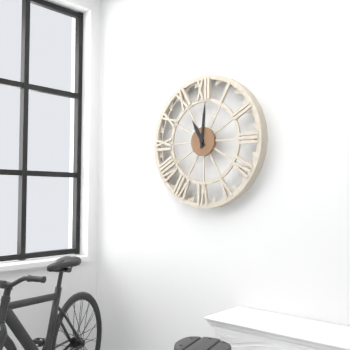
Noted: {"hour": 11, "minute": 1}
